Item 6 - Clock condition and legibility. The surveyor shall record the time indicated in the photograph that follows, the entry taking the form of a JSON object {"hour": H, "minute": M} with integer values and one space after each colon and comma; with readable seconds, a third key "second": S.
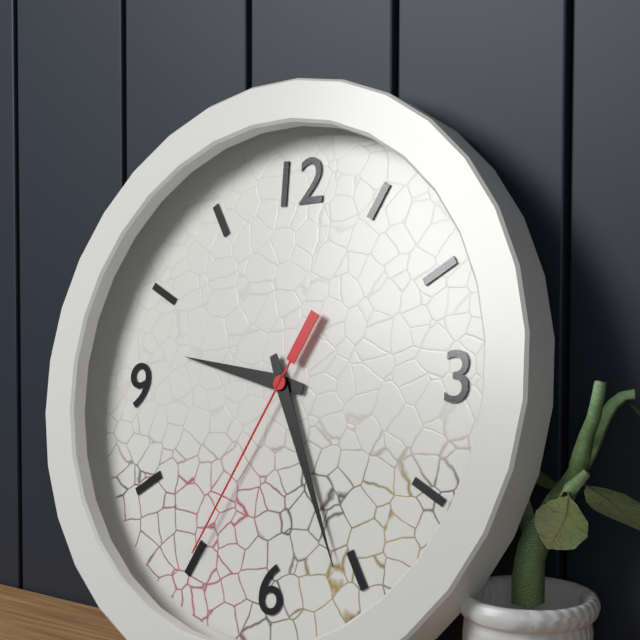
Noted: {"hour": 9, "minute": 26, "second": 35}
